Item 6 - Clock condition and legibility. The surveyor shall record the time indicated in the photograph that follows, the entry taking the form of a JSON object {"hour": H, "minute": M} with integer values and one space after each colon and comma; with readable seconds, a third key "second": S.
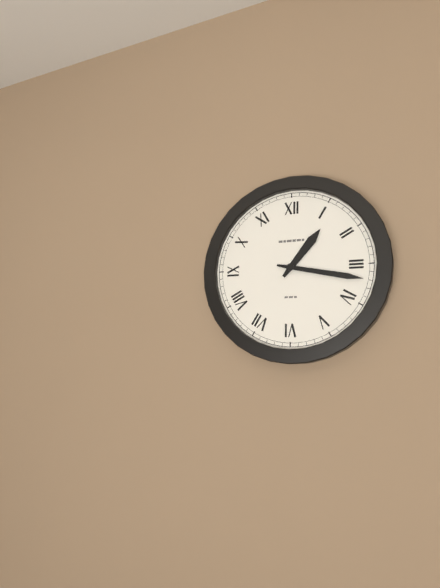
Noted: {"hour": 1, "minute": 17}
